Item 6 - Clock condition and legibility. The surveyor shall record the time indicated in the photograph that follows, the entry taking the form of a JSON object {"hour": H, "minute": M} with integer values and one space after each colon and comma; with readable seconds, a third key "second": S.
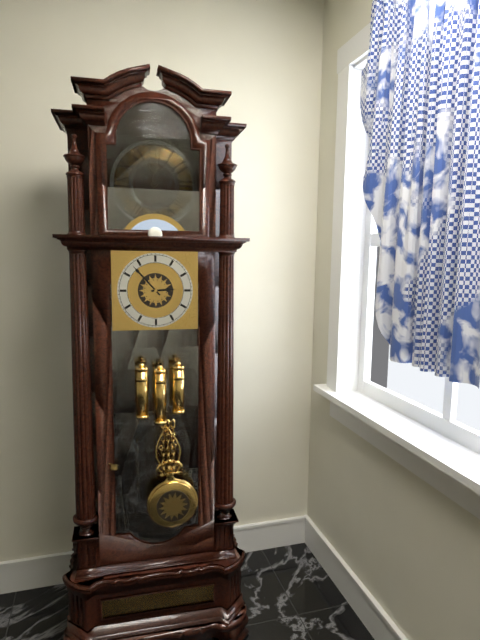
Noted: {"hour": 2, "minute": 53}
